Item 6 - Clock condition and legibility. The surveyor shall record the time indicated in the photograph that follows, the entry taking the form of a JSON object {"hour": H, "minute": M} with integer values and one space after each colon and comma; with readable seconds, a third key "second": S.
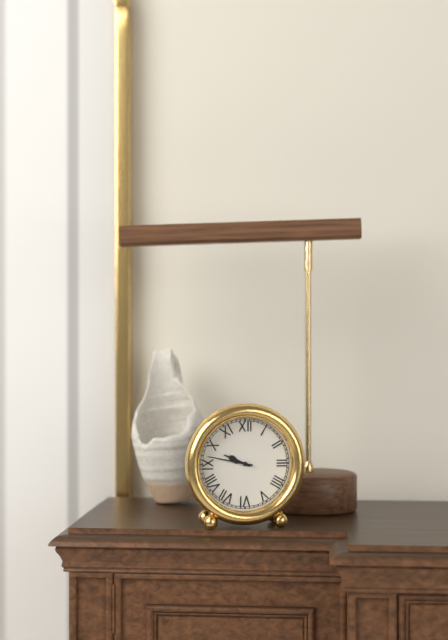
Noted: {"hour": 9, "minute": 47}
